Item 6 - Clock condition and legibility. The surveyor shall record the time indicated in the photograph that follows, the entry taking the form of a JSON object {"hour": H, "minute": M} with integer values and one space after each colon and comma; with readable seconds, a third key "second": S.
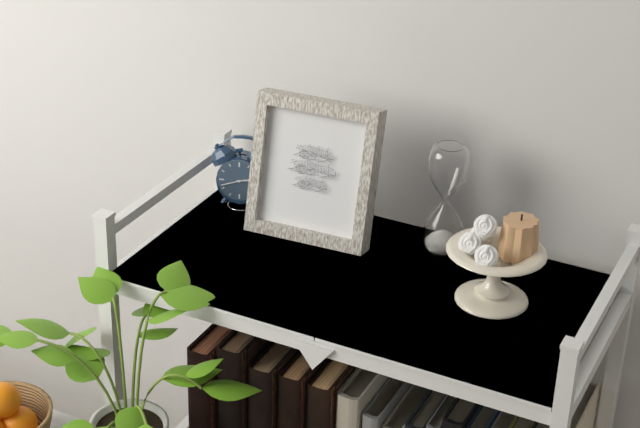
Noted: {"hour": 2, "minute": 42}
